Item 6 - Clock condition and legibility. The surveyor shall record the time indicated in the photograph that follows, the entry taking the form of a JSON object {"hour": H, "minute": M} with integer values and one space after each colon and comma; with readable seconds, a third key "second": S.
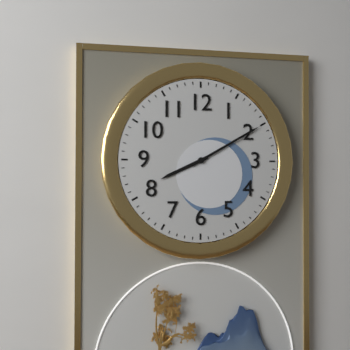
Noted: {"hour": 8, "minute": 10}
